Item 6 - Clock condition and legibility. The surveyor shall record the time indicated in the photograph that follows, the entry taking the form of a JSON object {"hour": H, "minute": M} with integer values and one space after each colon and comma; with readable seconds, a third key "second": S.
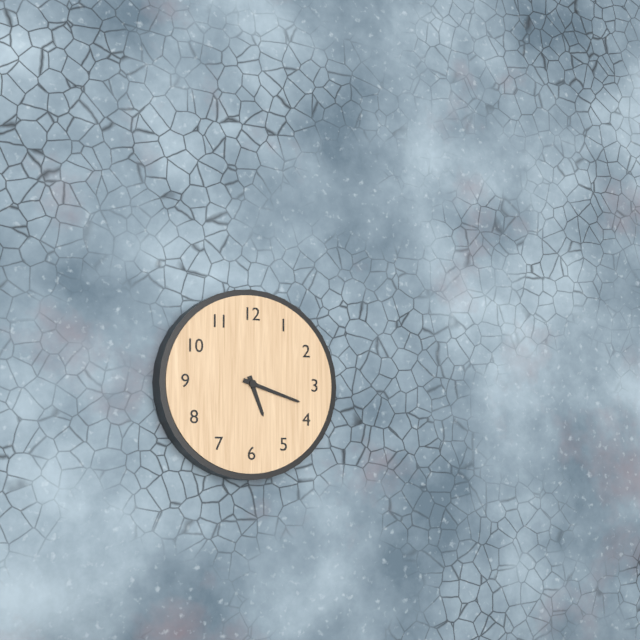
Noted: {"hour": 5, "minute": 18}
